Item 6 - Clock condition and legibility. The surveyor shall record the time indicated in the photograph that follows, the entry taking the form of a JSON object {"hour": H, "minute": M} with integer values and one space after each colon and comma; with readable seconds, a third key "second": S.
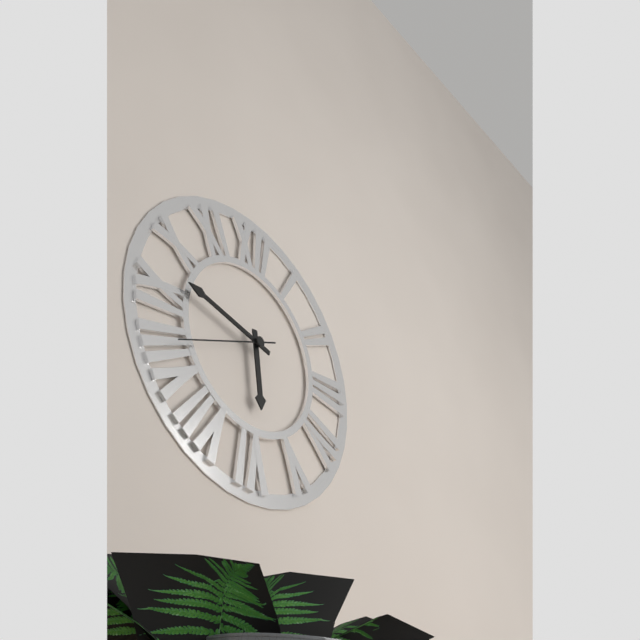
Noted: {"hour": 5, "minute": 47, "second": 41}
